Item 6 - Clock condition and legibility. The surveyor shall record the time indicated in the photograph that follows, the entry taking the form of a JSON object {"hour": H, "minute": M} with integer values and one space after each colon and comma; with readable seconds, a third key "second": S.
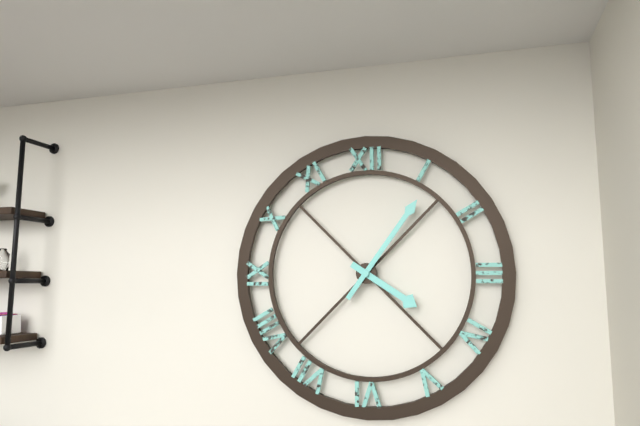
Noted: {"hour": 4, "minute": 6}
